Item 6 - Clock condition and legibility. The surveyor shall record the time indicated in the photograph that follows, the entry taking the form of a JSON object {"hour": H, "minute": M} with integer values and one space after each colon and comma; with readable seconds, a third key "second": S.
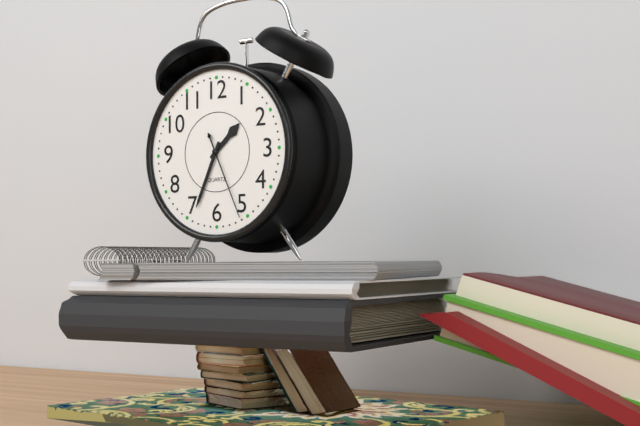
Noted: {"hour": 1, "minute": 34, "second": 26}
